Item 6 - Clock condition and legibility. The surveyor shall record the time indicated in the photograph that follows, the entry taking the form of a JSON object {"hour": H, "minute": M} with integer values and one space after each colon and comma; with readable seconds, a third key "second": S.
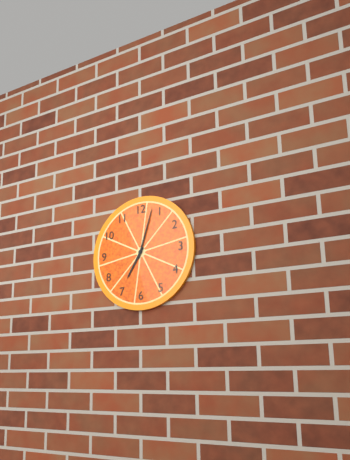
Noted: {"hour": 7, "minute": 3}
